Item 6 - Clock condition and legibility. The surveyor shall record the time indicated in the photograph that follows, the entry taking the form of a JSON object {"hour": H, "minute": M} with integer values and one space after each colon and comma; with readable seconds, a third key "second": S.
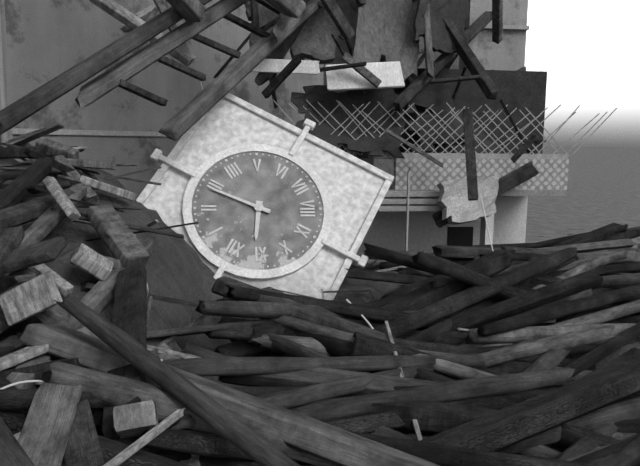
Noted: {"hour": 11, "minute": 14}
